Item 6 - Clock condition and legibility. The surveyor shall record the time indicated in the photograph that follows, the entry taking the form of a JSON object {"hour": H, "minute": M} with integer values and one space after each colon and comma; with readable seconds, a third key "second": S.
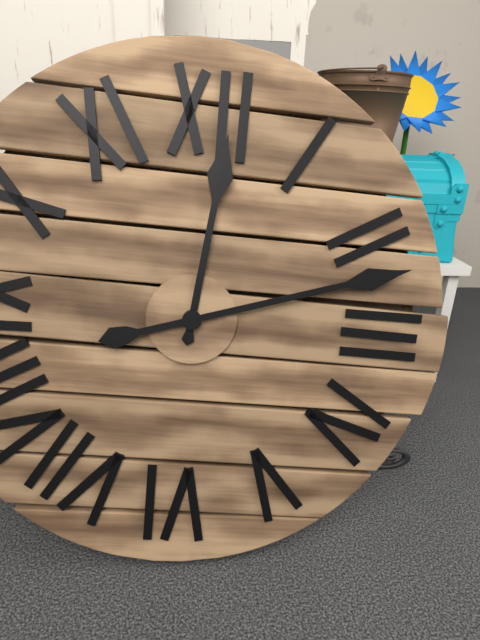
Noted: {"hour": 12, "minute": 12}
